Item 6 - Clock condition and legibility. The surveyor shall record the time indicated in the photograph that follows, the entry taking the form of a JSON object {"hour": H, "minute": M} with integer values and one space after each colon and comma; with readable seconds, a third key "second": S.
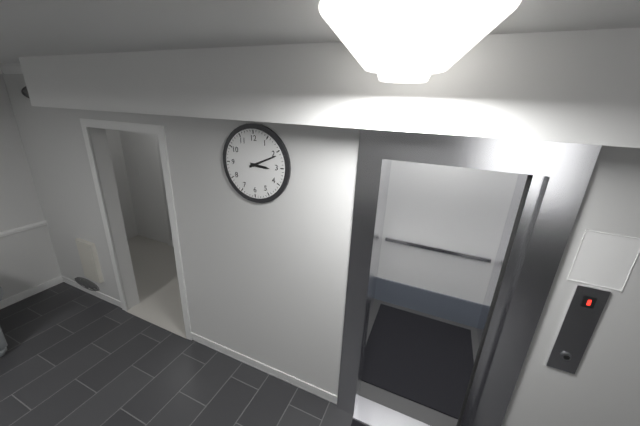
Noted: {"hour": 3, "minute": 11}
